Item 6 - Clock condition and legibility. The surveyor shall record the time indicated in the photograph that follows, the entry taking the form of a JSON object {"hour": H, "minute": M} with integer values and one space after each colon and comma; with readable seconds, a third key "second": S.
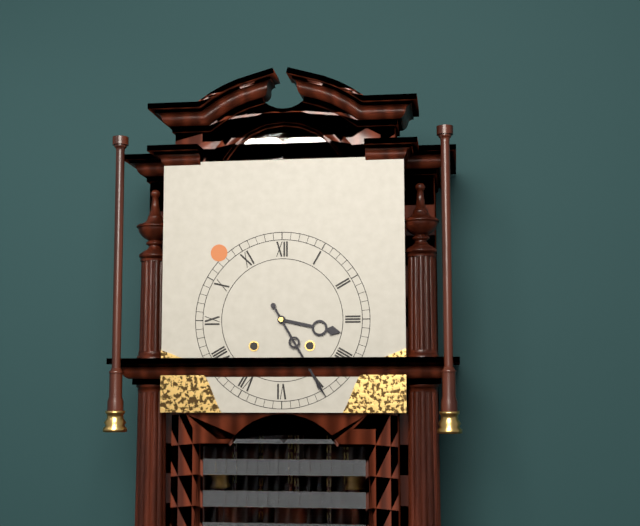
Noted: {"hour": 3, "minute": 25}
